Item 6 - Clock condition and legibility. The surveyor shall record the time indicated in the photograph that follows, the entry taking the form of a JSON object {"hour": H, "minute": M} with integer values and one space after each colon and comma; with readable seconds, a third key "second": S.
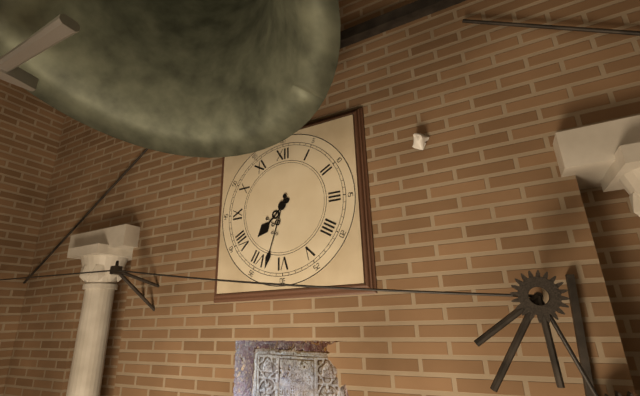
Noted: {"hour": 7, "minute": 33}
